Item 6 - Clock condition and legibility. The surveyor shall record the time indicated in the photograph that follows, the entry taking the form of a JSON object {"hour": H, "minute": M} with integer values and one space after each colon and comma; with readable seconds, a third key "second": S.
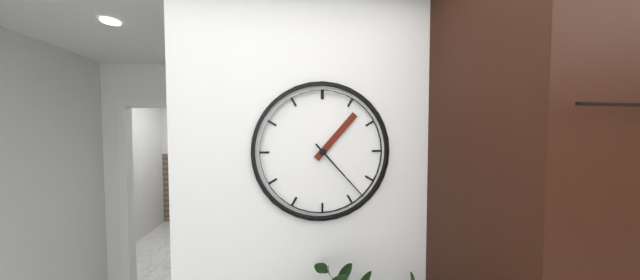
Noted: {"hour": 1, "minute": 23}
